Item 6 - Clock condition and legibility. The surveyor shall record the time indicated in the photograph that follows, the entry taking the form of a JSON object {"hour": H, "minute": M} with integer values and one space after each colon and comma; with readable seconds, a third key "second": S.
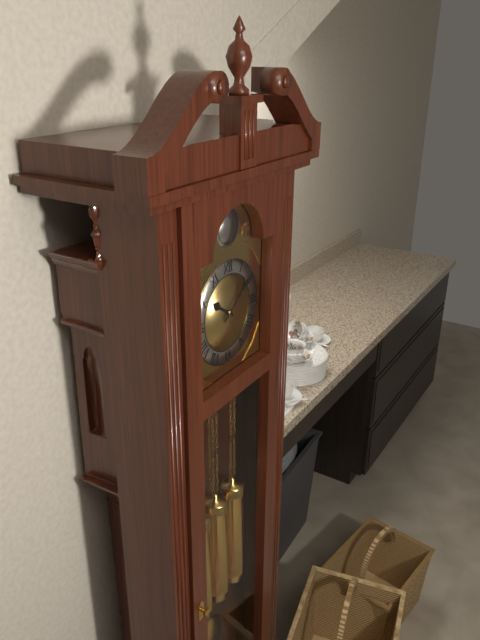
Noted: {"hour": 10, "minute": 9}
